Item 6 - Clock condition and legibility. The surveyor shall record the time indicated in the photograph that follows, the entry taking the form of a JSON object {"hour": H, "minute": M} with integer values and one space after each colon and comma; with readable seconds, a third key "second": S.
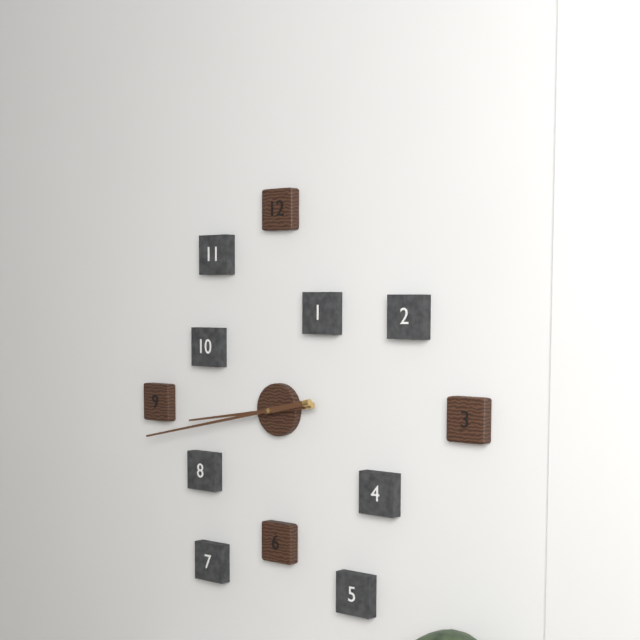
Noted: {"hour": 8, "minute": 43}
